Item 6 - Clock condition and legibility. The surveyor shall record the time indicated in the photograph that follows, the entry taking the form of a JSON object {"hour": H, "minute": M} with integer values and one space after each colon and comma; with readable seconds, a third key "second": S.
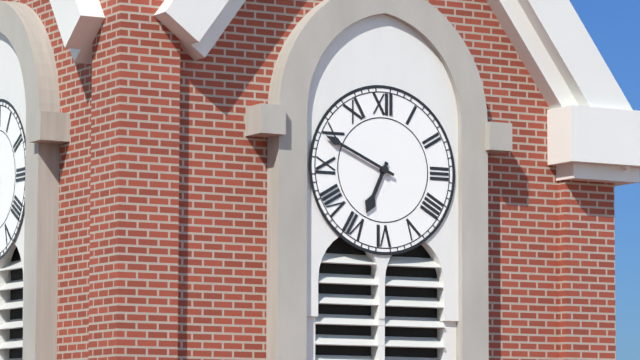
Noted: {"hour": 6, "minute": 49}
